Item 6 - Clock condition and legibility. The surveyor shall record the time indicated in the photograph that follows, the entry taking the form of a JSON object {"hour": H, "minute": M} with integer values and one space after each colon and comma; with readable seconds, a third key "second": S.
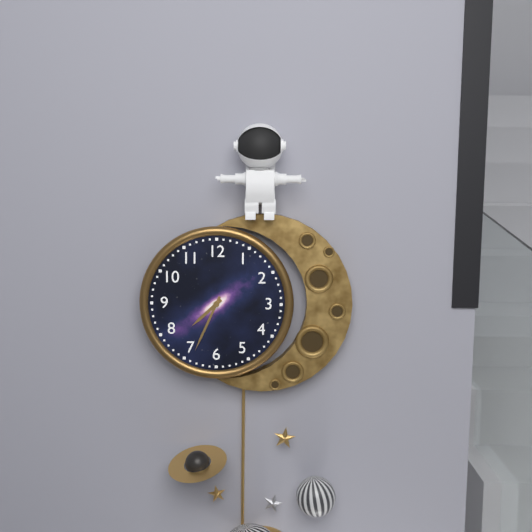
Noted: {"hour": 7, "minute": 34}
